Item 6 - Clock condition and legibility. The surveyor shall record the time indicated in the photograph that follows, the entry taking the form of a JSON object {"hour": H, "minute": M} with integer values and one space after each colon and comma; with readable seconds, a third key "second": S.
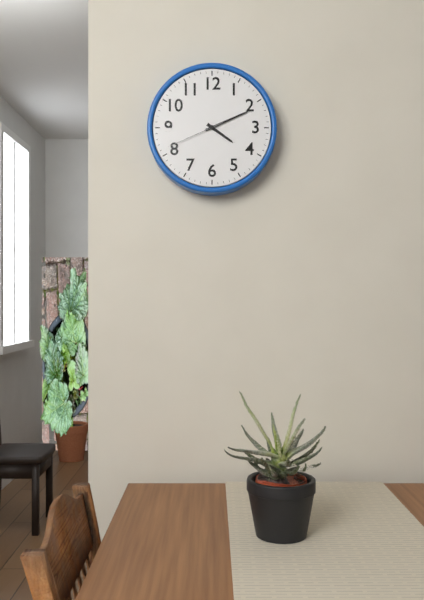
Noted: {"hour": 4, "minute": 11, "second": 41}
